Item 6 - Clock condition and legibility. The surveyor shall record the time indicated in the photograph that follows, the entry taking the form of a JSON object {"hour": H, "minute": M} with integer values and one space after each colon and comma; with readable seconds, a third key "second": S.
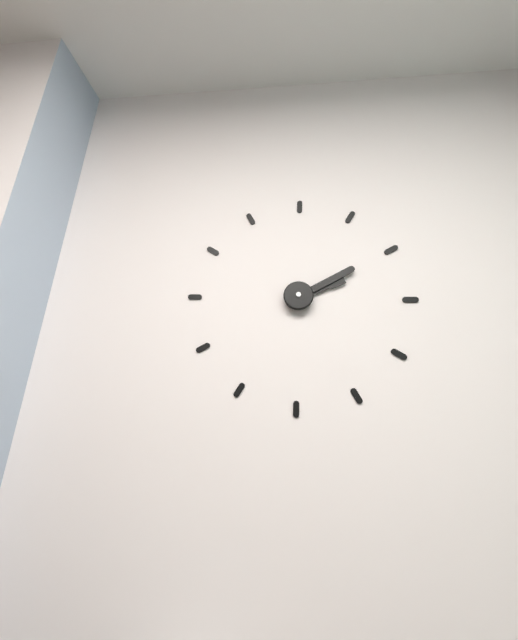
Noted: {"hour": 2, "minute": 10}
